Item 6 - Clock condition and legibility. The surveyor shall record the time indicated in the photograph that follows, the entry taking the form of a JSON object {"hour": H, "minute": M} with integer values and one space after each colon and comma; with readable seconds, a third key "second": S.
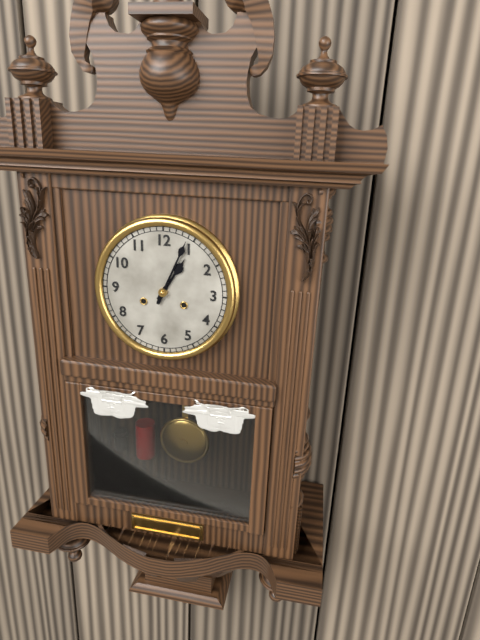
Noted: {"hour": 1, "minute": 4}
